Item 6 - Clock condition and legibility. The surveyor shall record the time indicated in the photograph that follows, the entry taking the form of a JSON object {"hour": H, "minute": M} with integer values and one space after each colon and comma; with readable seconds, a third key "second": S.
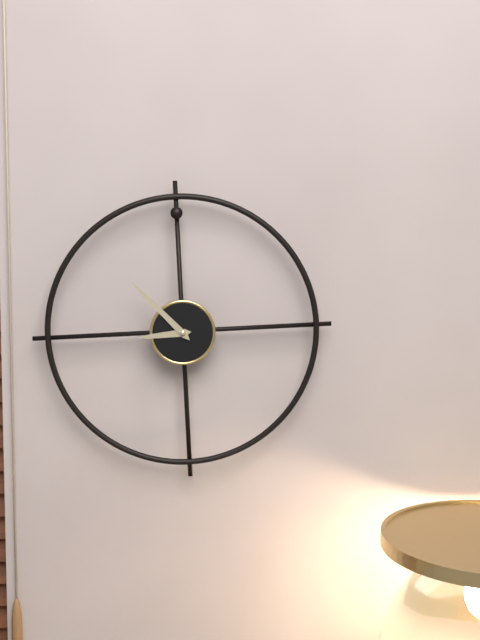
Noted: {"hour": 8, "minute": 53}
